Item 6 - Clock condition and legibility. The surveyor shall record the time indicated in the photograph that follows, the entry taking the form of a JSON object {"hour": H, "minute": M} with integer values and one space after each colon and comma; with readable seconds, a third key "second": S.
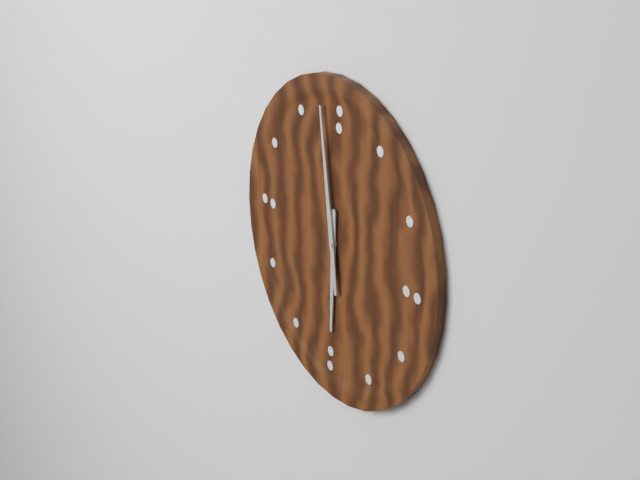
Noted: {"hour": 5, "minute": 58}
